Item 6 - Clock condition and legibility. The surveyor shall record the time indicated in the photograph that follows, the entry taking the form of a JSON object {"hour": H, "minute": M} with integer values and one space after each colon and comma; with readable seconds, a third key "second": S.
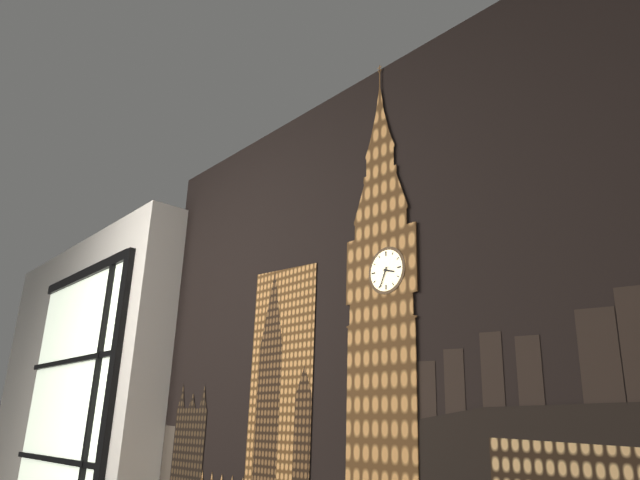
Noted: {"hour": 3, "minute": 34}
